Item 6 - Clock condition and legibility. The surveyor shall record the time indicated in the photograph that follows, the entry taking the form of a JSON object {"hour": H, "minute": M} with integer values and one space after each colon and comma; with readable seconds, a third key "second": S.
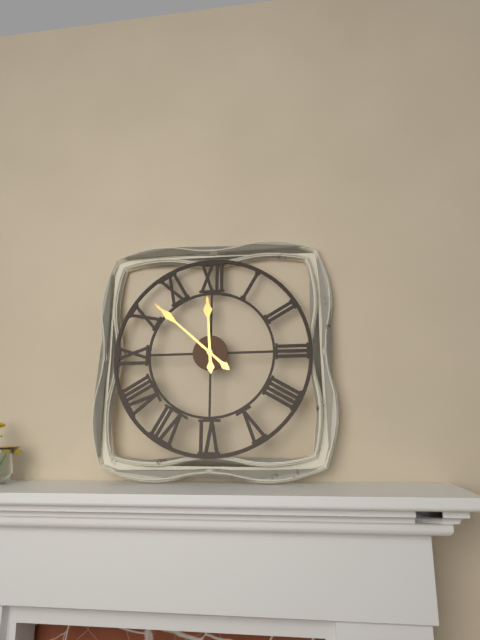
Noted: {"hour": 11, "minute": 52}
